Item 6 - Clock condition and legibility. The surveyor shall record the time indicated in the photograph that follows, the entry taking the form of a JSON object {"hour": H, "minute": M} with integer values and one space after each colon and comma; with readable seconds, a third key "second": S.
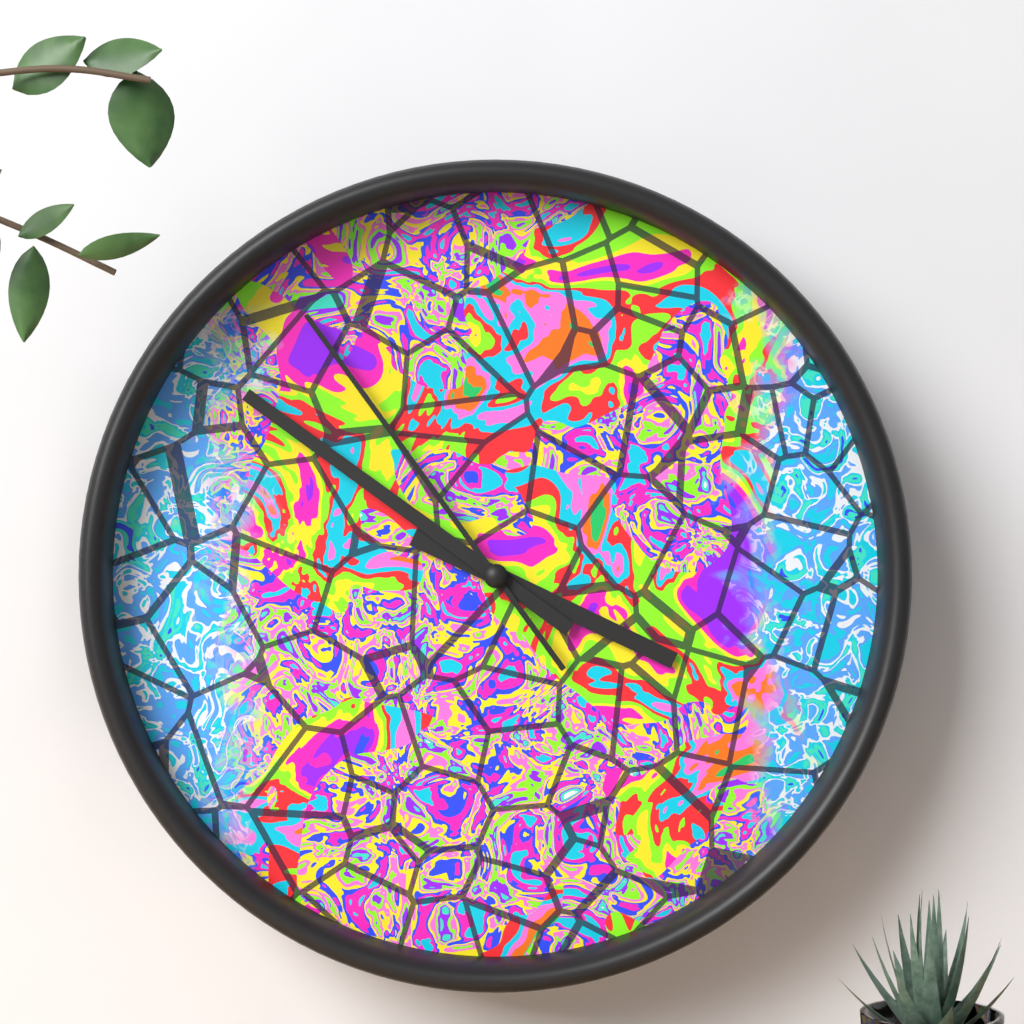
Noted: {"hour": 3, "minute": 51, "second": 54}
